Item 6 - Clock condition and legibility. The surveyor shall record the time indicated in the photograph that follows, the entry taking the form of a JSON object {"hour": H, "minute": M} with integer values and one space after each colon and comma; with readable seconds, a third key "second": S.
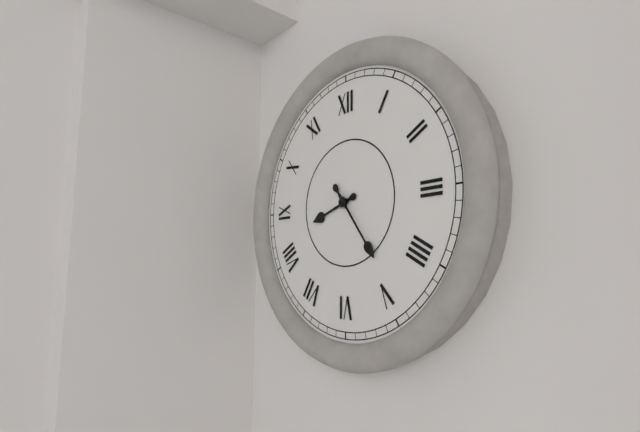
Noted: {"hour": 8, "minute": 24}
